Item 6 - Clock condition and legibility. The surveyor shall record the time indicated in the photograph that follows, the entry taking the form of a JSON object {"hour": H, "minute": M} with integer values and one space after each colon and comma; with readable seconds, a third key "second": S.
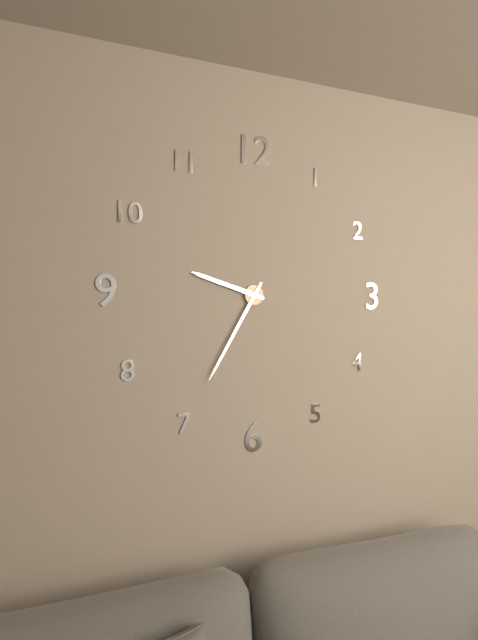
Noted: {"hour": 9, "minute": 35}
